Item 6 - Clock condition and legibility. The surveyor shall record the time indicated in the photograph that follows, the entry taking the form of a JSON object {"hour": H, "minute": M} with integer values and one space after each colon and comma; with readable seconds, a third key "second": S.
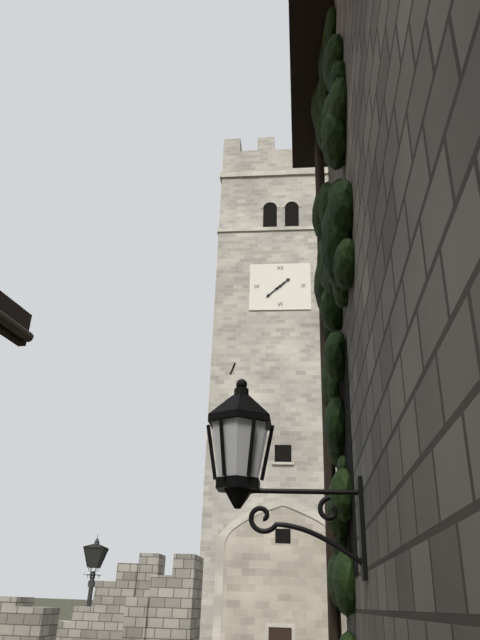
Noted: {"hour": 1, "minute": 38}
